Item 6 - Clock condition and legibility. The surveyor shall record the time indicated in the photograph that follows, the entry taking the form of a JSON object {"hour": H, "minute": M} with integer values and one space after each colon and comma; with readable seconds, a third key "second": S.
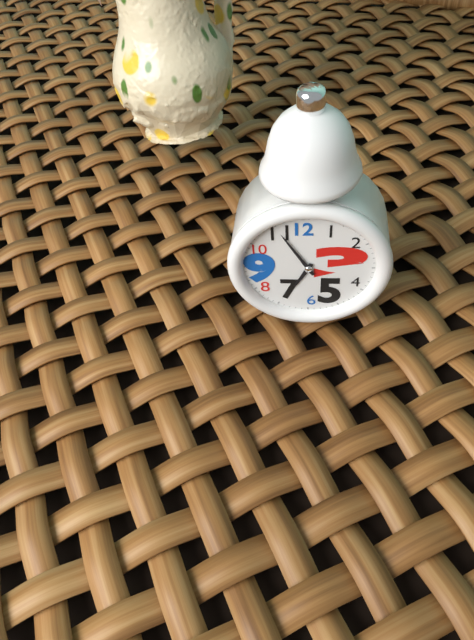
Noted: {"hour": 6, "minute": 55}
